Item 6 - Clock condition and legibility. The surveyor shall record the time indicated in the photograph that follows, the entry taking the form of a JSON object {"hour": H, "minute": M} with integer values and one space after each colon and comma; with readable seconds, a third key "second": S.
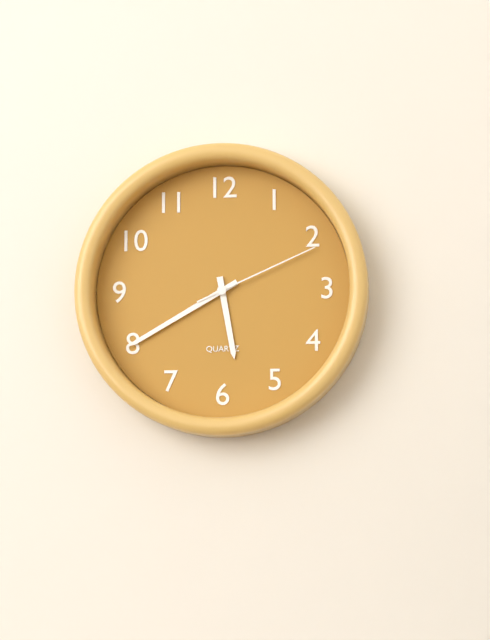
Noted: {"hour": 5, "minute": 40, "second": 11}
